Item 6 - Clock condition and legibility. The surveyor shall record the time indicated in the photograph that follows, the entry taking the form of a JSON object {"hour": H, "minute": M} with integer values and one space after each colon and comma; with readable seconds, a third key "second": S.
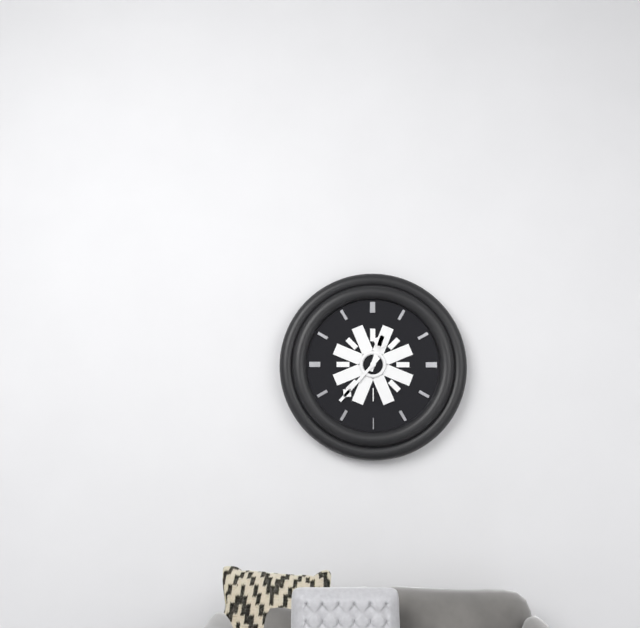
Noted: {"hour": 12, "minute": 37}
